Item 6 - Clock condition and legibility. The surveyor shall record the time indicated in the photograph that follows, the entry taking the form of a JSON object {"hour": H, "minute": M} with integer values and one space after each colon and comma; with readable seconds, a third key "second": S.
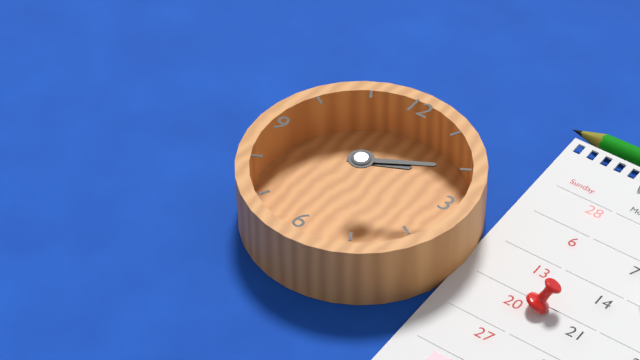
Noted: {"hour": 2, "minute": 10}
